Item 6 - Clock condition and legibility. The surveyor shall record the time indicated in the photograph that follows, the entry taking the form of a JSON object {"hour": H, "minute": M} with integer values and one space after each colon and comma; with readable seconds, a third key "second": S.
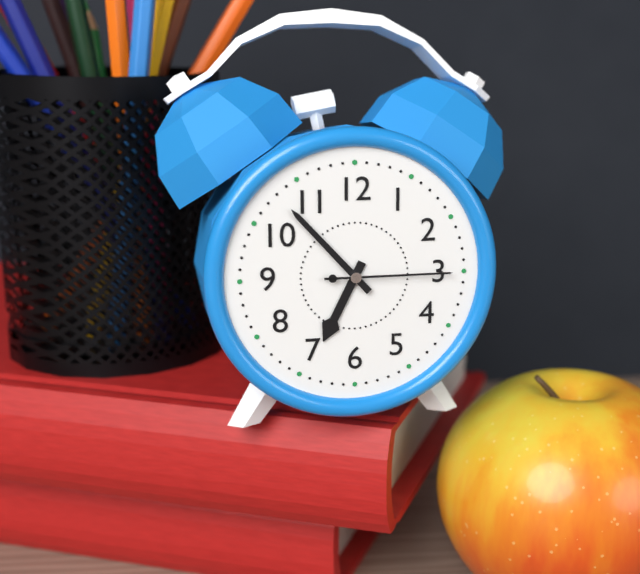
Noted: {"hour": 6, "minute": 53, "second": 15}
